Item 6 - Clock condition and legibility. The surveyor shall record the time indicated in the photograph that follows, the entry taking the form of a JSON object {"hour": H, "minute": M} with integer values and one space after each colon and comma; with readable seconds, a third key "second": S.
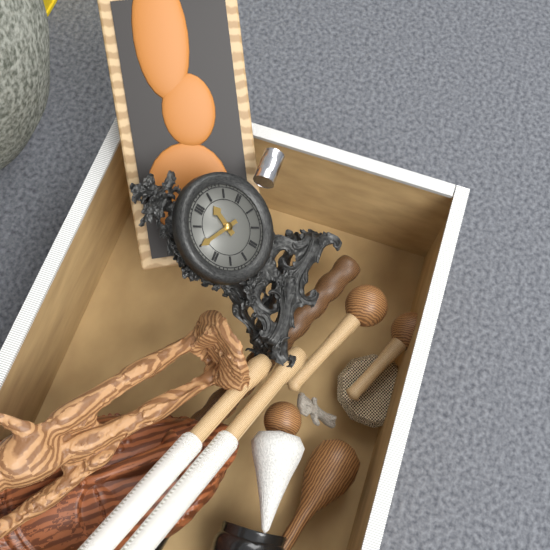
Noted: {"hour": 12, "minute": 50}
